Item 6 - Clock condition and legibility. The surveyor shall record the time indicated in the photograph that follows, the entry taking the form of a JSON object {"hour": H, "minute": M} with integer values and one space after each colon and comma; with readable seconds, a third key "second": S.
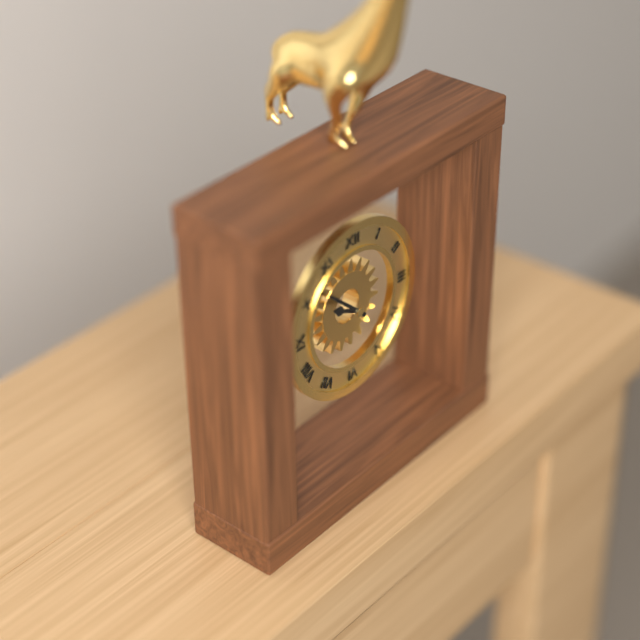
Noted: {"hour": 9, "minute": 52}
